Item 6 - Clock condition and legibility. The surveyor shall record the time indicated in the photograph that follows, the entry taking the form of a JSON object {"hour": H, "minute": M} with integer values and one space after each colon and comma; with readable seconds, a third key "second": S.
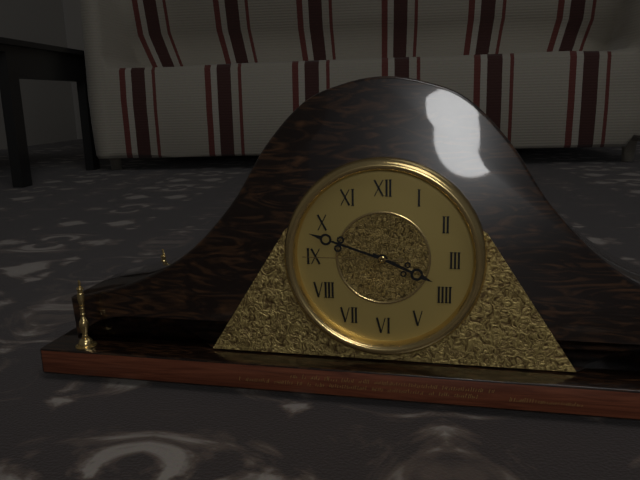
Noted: {"hour": 3, "minute": 48, "second": 45}
